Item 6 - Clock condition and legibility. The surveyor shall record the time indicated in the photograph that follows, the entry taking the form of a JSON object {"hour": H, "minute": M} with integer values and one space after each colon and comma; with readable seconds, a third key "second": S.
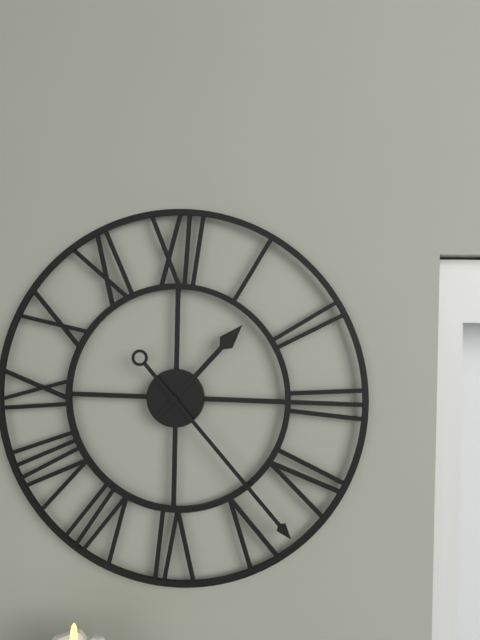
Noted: {"hour": 1, "minute": 23}
